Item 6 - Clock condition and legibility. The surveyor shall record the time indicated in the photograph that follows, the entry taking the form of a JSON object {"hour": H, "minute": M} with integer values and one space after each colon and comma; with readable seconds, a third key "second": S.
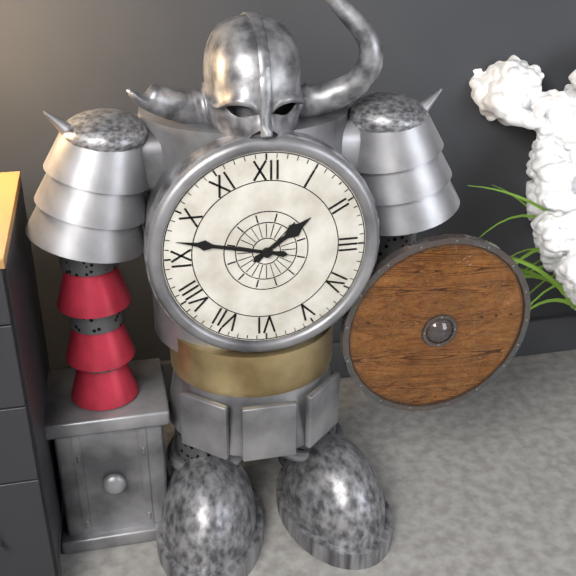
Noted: {"hour": 1, "minute": 47}
